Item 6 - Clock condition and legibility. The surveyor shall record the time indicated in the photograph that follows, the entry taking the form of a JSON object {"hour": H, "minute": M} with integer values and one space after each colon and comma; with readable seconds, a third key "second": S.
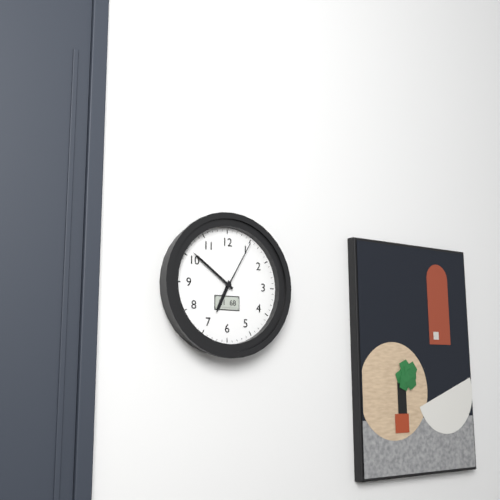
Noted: {"hour": 6, "minute": 51, "second": 5}
